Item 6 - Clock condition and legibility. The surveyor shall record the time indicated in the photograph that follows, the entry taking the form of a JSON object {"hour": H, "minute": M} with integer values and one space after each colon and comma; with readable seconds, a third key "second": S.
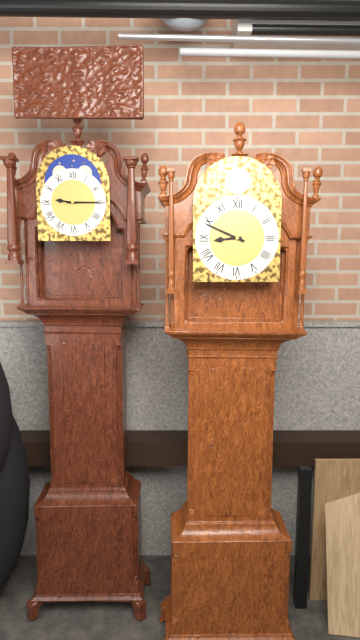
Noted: {"hour": 8, "minute": 49}
